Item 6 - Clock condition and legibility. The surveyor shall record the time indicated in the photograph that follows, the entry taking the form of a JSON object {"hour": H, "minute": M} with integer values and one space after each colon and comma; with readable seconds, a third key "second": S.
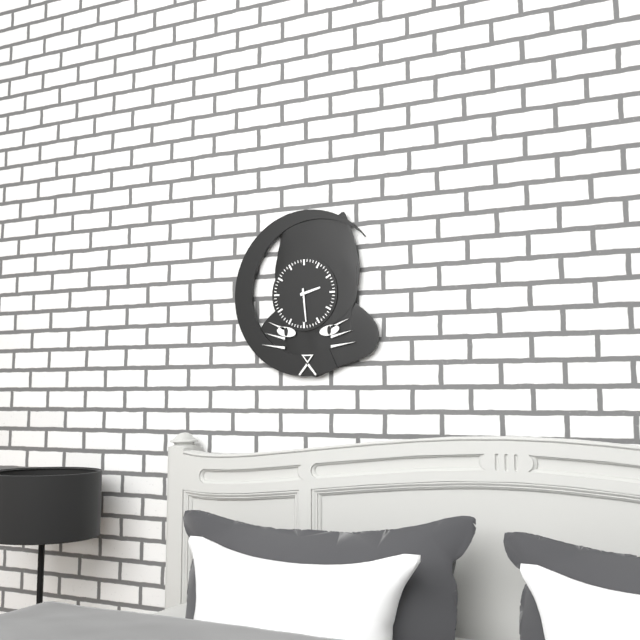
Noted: {"hour": 2, "minute": 29}
